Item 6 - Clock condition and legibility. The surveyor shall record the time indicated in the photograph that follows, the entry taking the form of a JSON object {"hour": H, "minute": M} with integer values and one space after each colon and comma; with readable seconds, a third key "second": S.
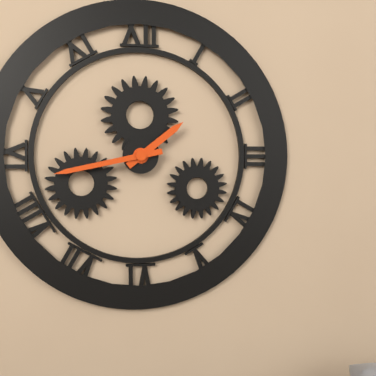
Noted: {"hour": 1, "minute": 43}
